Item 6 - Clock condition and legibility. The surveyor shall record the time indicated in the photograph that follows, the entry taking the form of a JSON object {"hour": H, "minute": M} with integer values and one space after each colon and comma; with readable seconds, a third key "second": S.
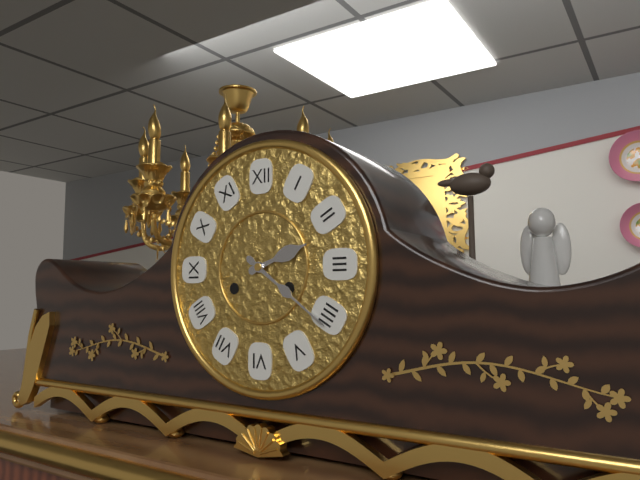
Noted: {"hour": 2, "minute": 21}
